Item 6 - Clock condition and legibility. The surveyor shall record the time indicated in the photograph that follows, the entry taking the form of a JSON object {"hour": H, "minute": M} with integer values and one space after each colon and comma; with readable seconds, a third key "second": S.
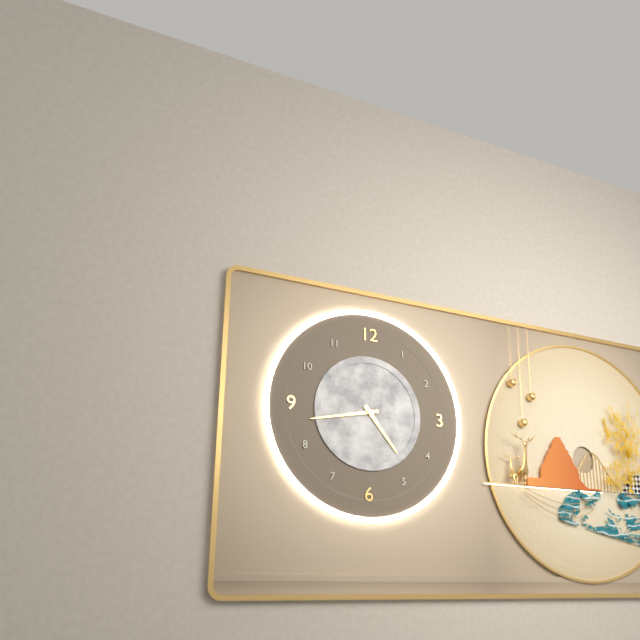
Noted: {"hour": 4, "minute": 43}
